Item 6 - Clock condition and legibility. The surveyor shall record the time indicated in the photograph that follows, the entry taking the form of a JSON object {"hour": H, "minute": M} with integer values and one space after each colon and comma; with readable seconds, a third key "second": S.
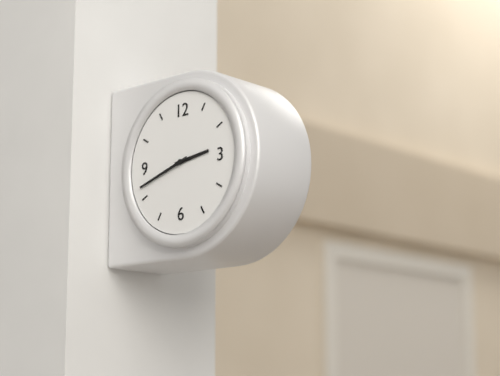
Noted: {"hour": 2, "minute": 42}
